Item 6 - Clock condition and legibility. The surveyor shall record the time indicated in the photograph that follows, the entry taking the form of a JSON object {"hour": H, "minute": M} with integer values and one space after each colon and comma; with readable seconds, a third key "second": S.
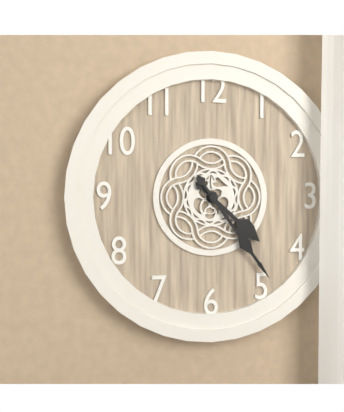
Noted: {"hour": 4, "minute": 24}
